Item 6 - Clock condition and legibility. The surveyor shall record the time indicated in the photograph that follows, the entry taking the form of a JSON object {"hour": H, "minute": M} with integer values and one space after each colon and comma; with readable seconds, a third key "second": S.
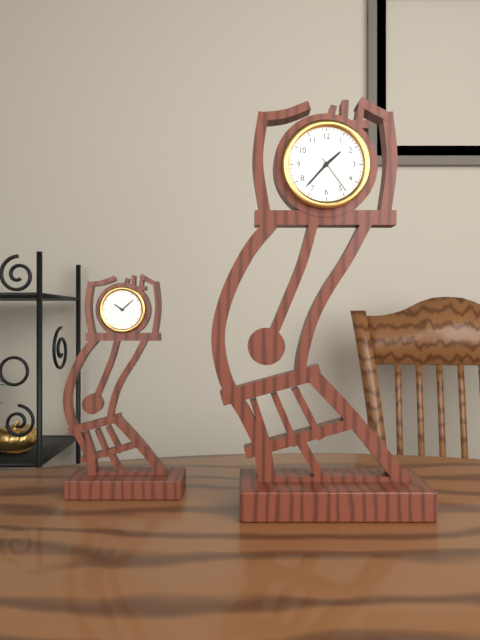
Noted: {"hour": 1, "minute": 37}
